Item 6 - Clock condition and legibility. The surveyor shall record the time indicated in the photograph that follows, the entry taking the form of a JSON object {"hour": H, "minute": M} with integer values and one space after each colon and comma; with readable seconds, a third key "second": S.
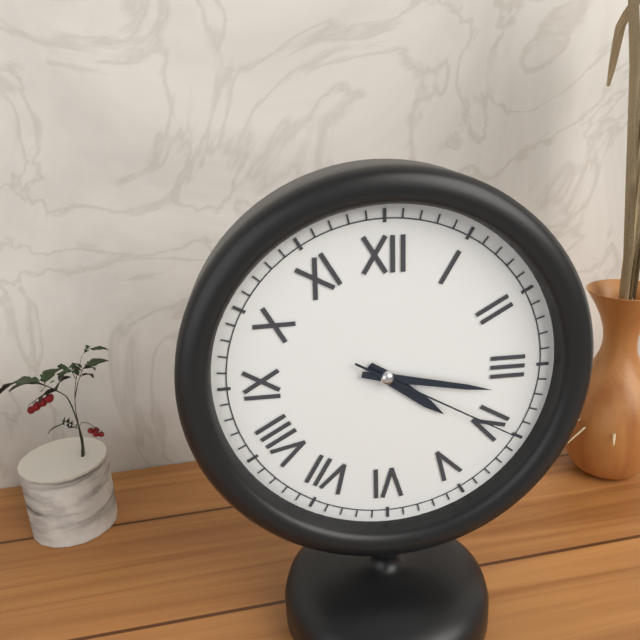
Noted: {"hour": 4, "minute": 17, "second": 20}
